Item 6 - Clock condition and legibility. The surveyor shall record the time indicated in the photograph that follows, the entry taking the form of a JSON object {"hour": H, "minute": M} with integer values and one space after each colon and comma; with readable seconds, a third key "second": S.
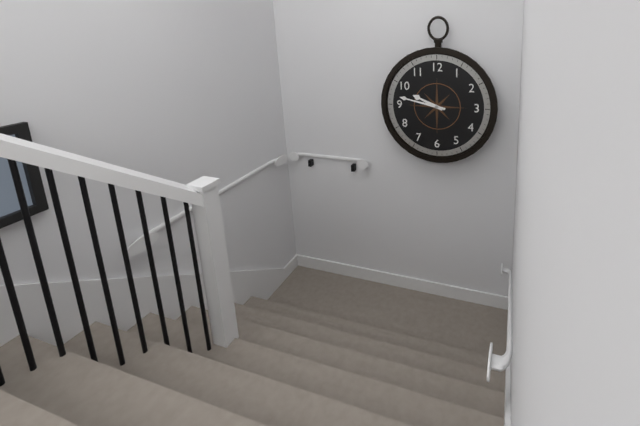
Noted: {"hour": 9, "minute": 47}
